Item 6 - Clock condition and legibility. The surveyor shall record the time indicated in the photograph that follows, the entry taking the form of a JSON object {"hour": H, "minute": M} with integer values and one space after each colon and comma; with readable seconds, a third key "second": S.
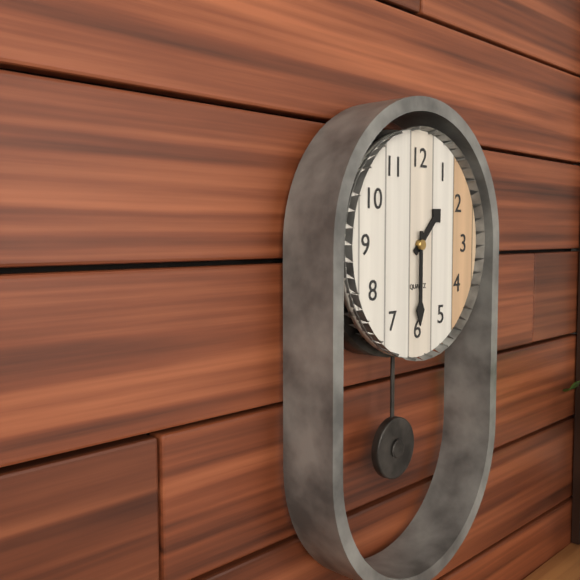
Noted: {"hour": 1, "minute": 30}
